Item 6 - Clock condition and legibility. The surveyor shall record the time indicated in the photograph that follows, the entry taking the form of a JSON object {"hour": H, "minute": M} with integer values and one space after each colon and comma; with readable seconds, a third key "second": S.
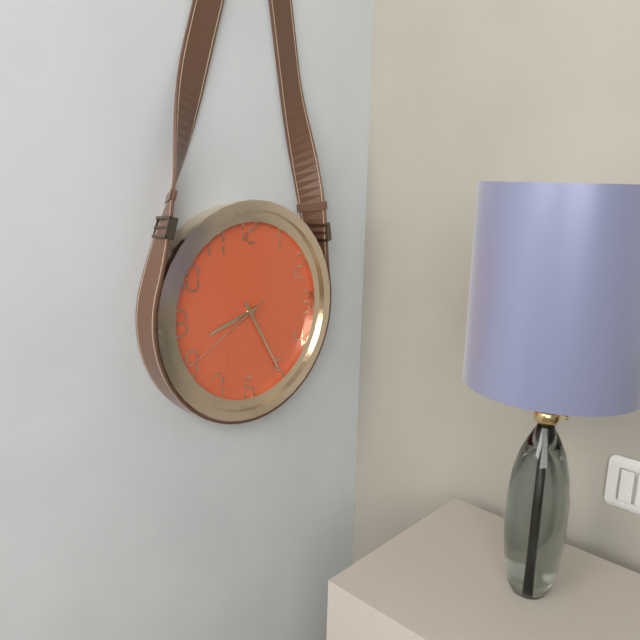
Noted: {"hour": 8, "minute": 25, "second": 40}
